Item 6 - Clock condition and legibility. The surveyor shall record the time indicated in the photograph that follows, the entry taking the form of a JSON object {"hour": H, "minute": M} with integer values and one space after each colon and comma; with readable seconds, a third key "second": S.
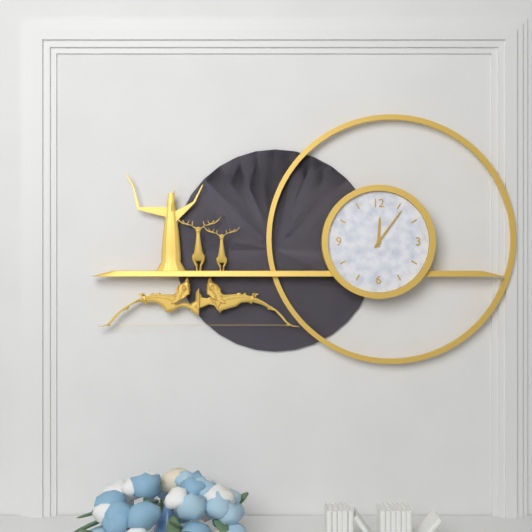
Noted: {"hour": 12, "minute": 6}
